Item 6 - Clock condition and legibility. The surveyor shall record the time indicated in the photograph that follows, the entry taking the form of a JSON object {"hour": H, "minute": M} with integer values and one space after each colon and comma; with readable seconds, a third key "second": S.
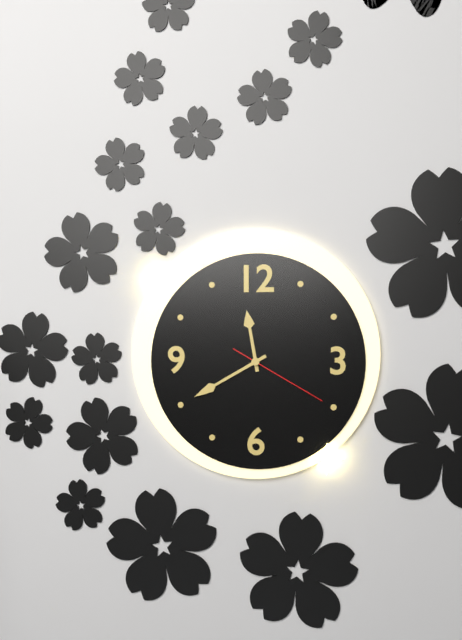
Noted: {"hour": 11, "minute": 40, "second": 20}
